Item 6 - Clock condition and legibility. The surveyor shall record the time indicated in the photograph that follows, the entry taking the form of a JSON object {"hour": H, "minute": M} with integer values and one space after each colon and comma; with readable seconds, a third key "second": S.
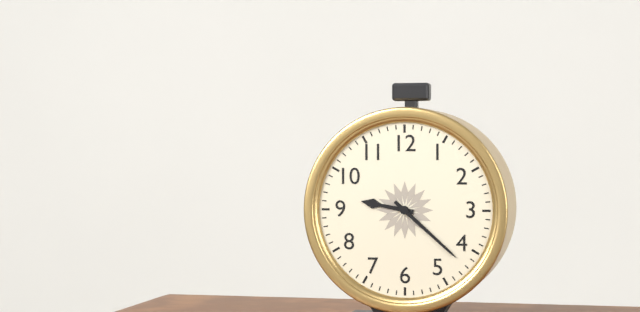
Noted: {"hour": 9, "minute": 22}
